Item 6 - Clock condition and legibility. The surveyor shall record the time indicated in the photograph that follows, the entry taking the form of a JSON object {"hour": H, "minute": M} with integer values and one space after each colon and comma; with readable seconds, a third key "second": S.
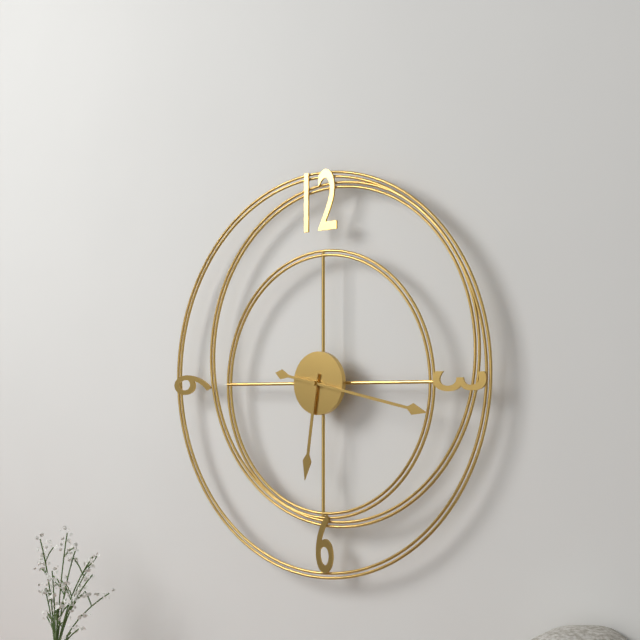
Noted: {"hour": 6, "minute": 17}
